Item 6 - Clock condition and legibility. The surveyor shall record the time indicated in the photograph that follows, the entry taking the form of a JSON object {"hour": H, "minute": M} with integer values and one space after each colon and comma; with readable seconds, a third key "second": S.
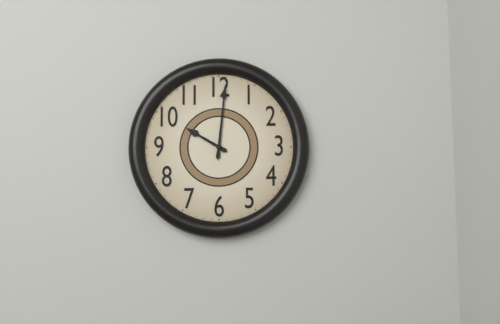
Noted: {"hour": 10, "minute": 1}
